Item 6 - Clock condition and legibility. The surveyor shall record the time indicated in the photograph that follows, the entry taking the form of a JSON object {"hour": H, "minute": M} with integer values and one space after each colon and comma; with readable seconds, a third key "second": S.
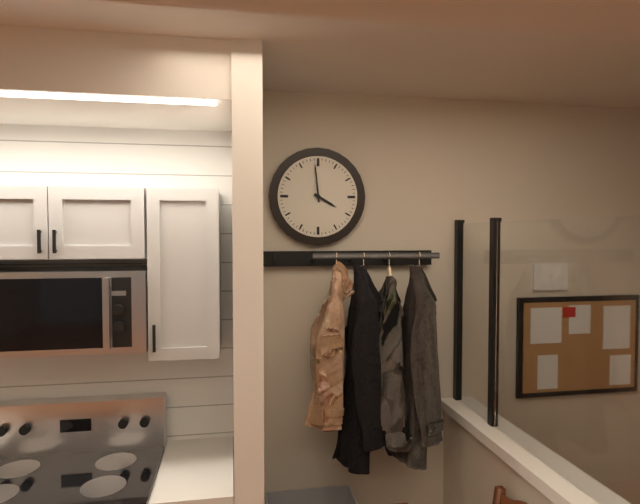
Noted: {"hour": 3, "minute": 59}
